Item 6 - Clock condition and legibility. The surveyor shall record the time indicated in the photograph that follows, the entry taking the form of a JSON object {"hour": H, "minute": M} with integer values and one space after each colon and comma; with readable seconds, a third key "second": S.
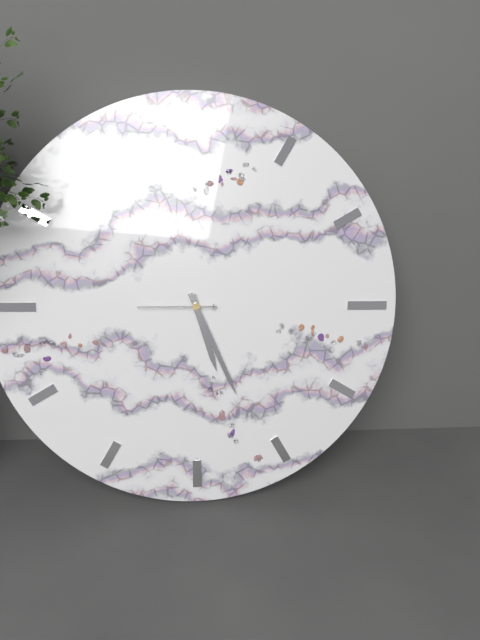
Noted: {"hour": 5, "minute": 26, "second": 45}
